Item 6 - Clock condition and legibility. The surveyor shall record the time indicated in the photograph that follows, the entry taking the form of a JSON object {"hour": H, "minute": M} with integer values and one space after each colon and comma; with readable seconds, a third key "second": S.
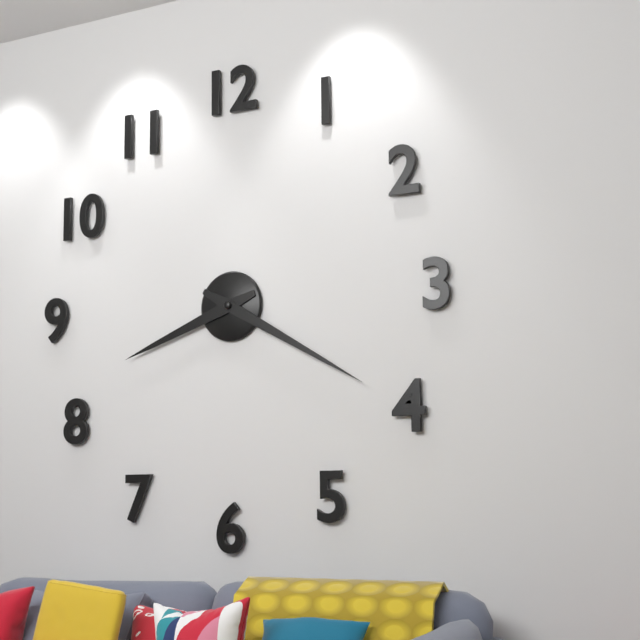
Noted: {"hour": 8, "minute": 20}
